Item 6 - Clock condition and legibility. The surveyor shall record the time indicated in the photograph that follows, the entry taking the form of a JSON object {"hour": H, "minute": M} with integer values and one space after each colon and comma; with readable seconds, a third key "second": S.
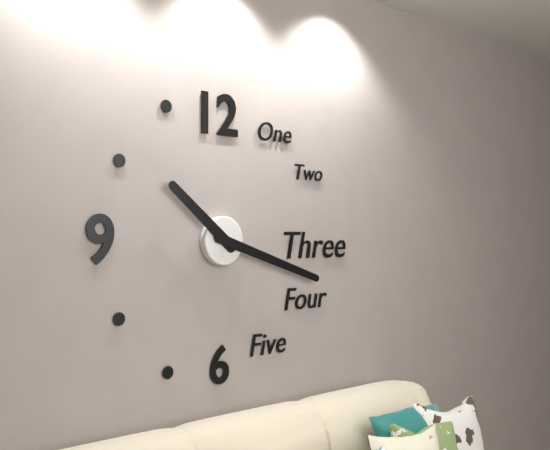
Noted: {"hour": 10, "minute": 18}
